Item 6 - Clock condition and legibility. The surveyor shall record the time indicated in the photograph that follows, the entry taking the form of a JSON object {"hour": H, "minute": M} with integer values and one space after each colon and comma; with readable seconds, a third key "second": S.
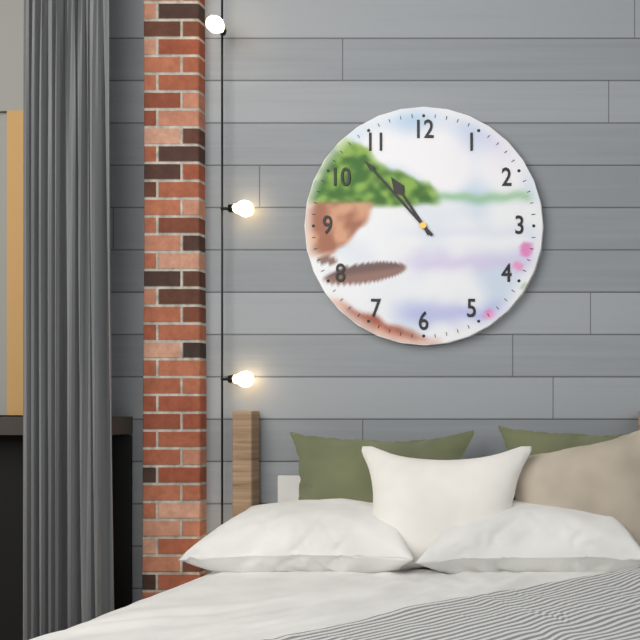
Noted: {"hour": 10, "minute": 53}
